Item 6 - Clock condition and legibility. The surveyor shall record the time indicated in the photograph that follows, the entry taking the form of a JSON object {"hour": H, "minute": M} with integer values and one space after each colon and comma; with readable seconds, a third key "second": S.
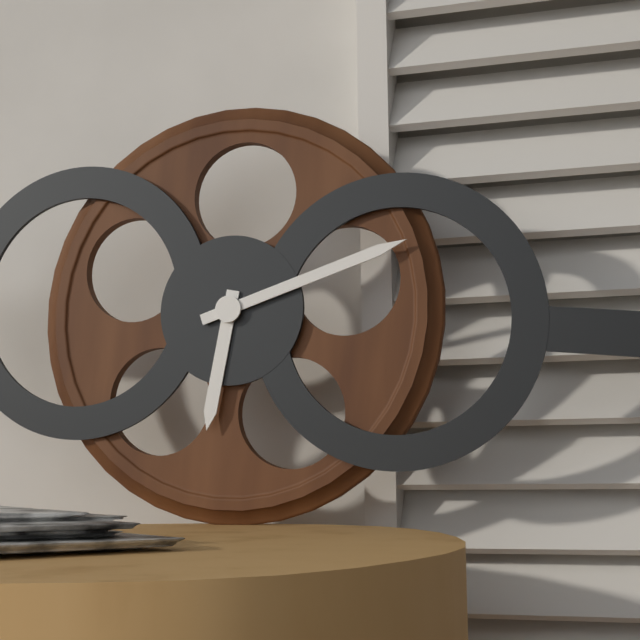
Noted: {"hour": 6, "minute": 11}
